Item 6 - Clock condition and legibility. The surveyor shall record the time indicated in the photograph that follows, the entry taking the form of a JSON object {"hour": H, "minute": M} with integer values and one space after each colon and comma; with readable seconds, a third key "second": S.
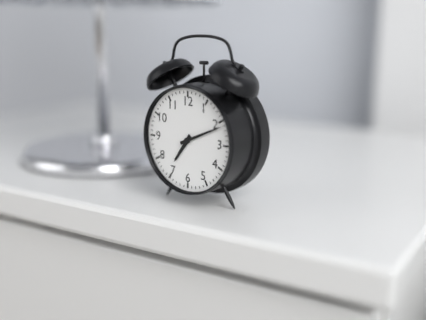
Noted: {"hour": 7, "minute": 11}
